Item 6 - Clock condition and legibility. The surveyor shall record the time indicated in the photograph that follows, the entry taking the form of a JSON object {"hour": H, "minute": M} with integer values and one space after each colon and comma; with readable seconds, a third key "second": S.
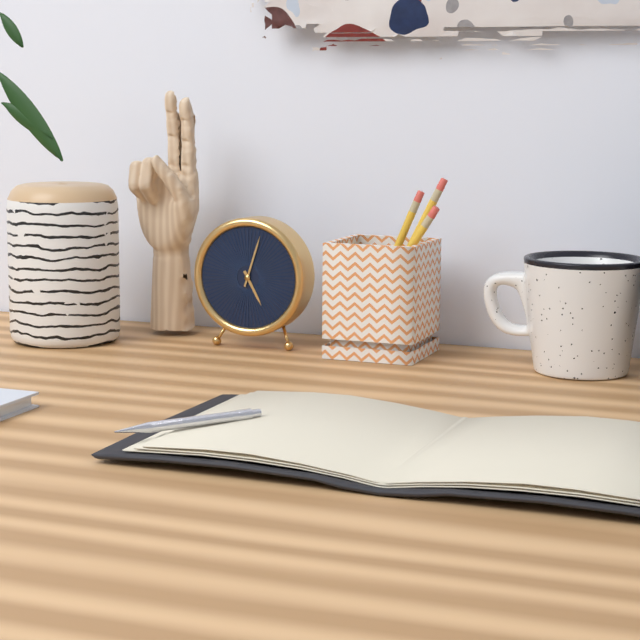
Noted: {"hour": 5, "minute": 3}
